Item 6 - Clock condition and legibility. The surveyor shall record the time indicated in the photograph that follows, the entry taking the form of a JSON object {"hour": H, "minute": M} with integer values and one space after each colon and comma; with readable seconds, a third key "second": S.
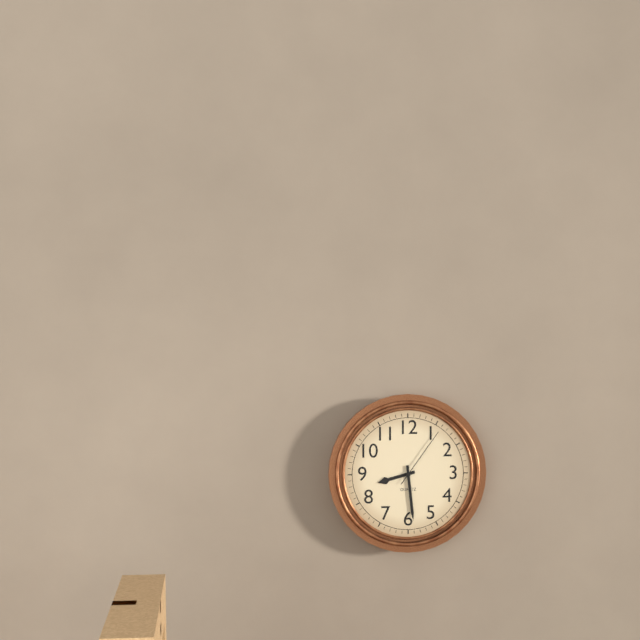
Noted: {"hour": 8, "minute": 29, "second": 6}
